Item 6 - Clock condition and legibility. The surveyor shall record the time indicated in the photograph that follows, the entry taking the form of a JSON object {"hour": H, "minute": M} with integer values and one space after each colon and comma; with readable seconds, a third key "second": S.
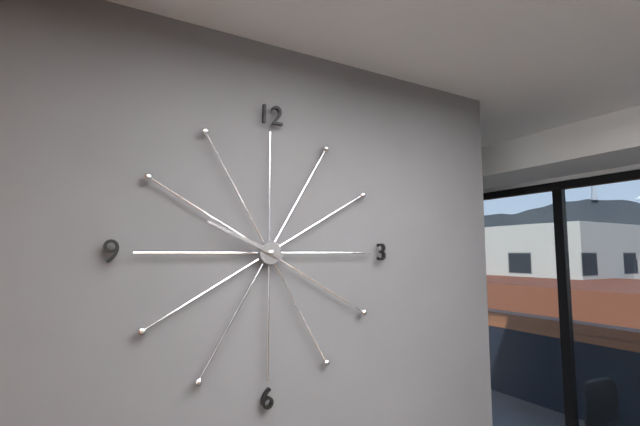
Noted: {"hour": 9, "minute": 49}
